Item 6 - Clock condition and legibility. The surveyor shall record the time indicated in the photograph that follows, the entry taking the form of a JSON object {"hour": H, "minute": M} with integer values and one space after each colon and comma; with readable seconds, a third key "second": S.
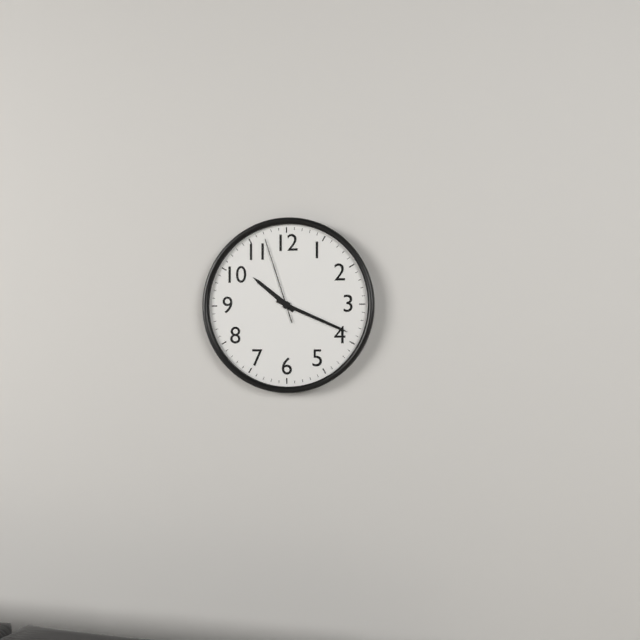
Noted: {"hour": 10, "minute": 19, "second": 57}
